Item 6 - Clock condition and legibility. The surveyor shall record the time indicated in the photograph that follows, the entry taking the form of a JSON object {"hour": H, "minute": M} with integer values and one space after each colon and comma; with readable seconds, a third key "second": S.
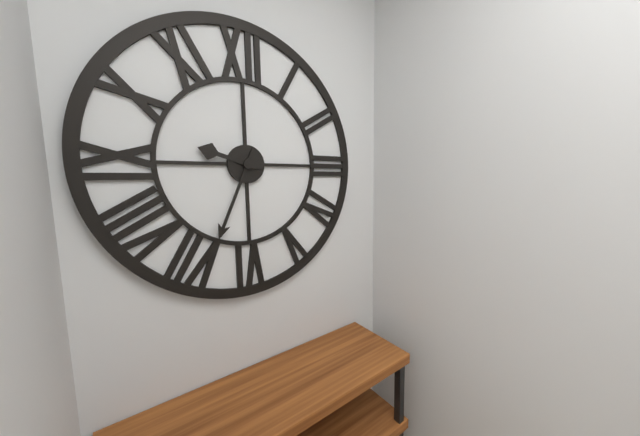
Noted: {"hour": 9, "minute": 34}
